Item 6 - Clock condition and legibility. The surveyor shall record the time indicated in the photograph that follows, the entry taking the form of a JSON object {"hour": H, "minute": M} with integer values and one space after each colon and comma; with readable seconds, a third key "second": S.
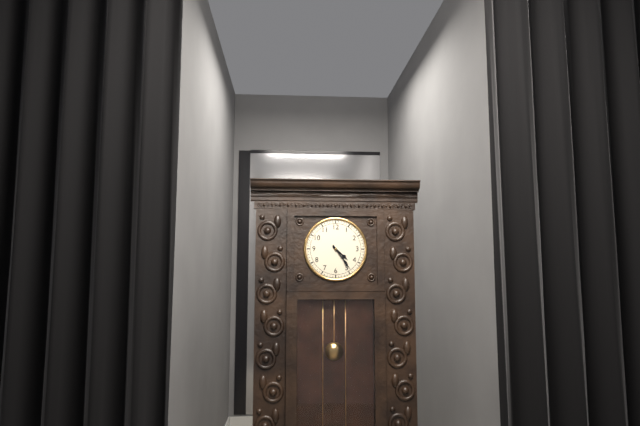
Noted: {"hour": 4, "minute": 24}
